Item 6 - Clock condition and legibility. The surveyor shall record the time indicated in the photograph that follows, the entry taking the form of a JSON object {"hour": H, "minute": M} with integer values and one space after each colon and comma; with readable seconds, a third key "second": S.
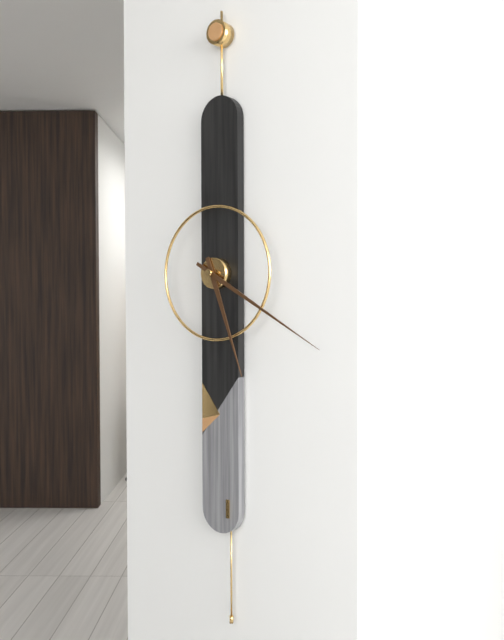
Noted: {"hour": 5, "minute": 20}
